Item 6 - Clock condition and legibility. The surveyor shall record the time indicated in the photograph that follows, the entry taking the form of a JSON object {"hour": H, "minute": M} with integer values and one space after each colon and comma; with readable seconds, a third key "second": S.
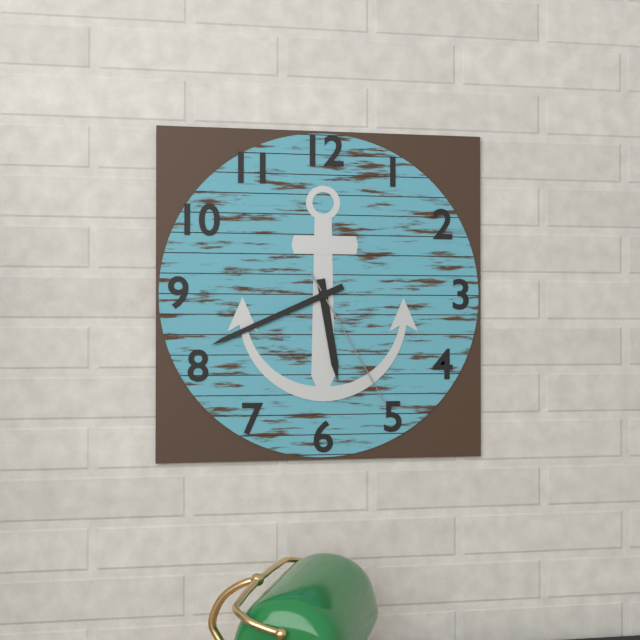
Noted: {"hour": 5, "minute": 41, "second": 25}
